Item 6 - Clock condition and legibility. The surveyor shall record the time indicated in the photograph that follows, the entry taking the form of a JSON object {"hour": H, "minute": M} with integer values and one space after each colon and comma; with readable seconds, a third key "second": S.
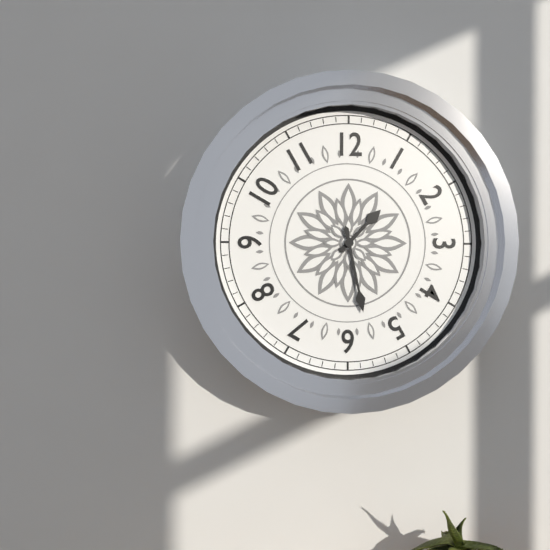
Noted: {"hour": 1, "minute": 28}
